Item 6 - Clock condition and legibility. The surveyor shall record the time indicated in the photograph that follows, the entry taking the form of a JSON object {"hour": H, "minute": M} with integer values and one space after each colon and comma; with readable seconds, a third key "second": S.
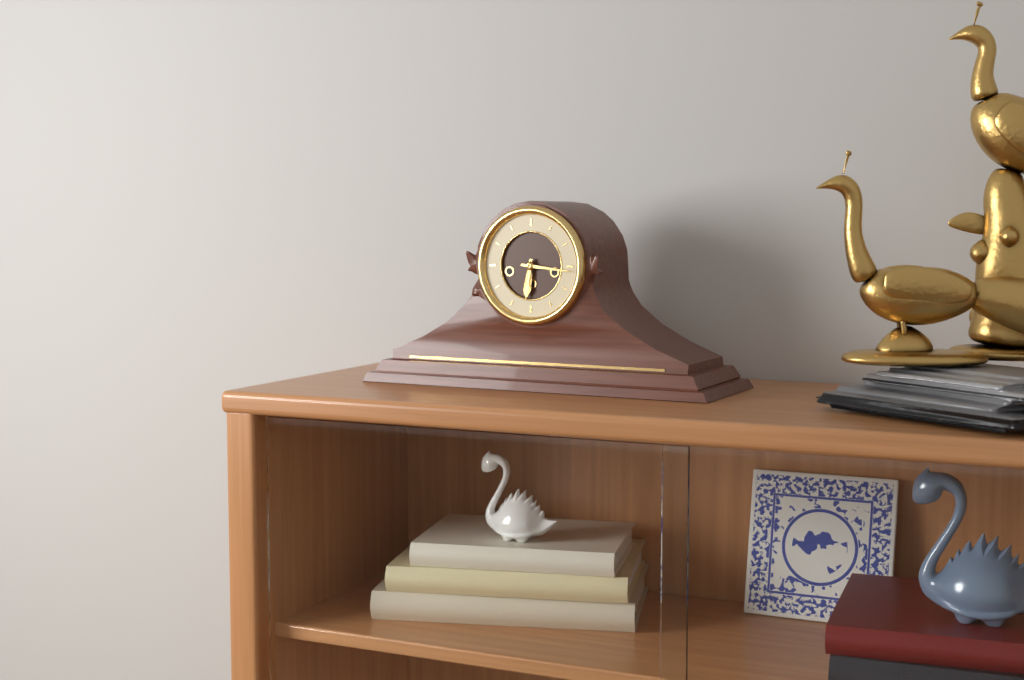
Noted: {"hour": 6, "minute": 16}
